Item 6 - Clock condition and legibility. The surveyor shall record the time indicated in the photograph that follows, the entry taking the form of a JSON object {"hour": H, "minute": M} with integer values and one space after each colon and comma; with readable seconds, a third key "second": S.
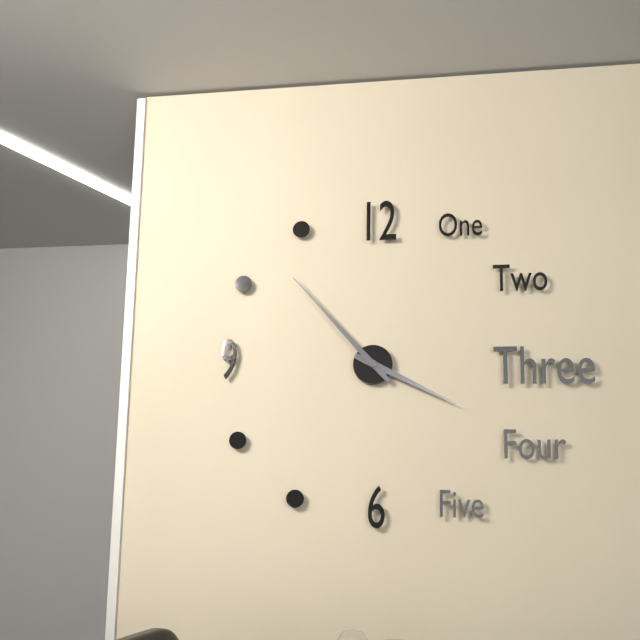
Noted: {"hour": 3, "minute": 53}
